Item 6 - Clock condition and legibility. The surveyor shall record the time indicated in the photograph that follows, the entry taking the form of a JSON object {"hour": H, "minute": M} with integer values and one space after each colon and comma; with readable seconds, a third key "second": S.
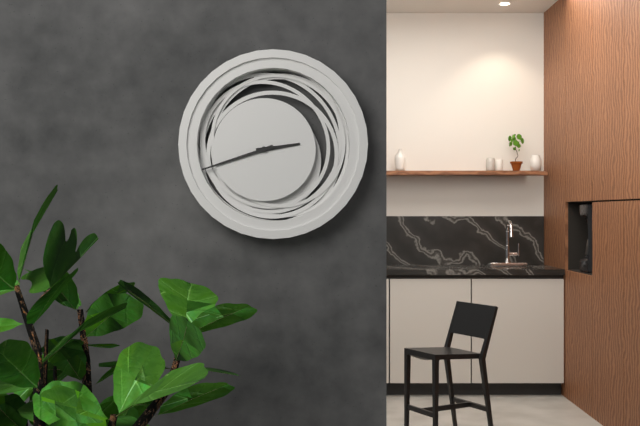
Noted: {"hour": 2, "minute": 42}
